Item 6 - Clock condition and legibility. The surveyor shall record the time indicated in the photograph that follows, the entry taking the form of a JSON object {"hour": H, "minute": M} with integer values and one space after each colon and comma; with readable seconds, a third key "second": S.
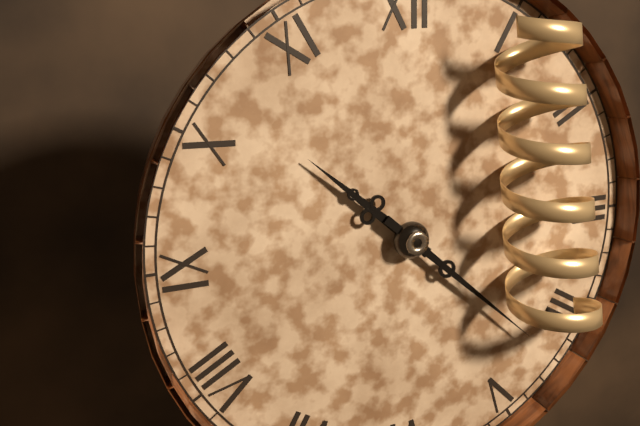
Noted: {"hour": 10, "minute": 22}
